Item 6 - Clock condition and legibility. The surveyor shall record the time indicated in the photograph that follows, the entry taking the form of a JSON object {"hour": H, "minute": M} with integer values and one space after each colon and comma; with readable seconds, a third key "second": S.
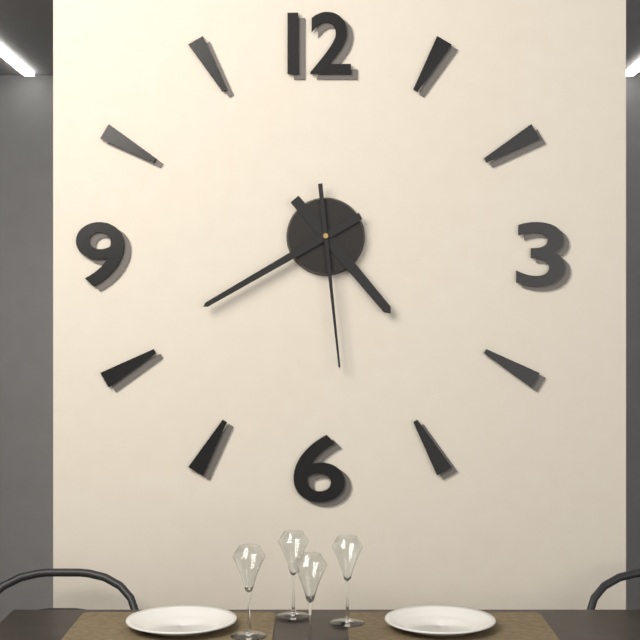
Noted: {"hour": 4, "minute": 40, "second": 29}
